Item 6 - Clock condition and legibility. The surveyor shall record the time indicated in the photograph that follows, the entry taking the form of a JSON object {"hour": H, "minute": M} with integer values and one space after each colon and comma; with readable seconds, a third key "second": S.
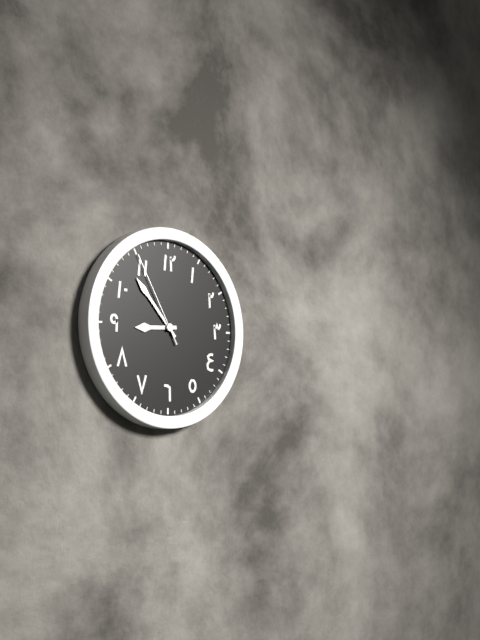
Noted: {"hour": 8, "minute": 53, "second": 55}
